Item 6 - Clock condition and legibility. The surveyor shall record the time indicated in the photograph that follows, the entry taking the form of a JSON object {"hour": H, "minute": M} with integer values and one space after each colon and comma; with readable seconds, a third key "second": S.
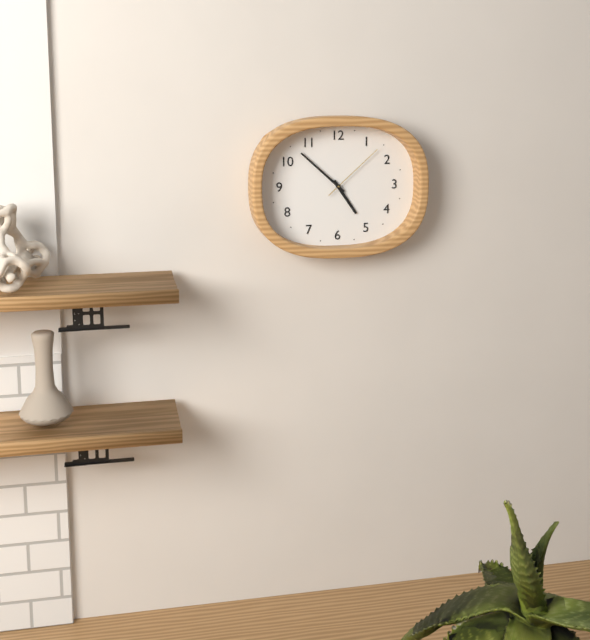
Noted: {"hour": 4, "minute": 52, "second": 8}
